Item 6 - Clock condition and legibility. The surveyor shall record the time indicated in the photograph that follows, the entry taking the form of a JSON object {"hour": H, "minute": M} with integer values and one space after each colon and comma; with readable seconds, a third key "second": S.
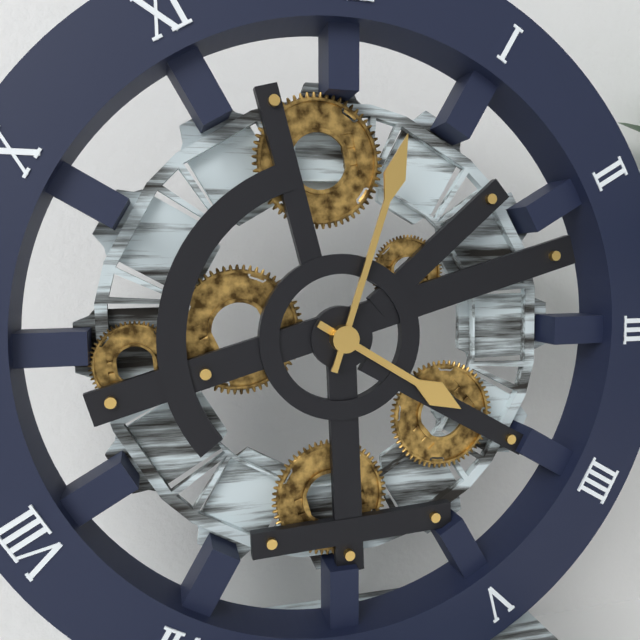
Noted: {"hour": 4, "minute": 3}
